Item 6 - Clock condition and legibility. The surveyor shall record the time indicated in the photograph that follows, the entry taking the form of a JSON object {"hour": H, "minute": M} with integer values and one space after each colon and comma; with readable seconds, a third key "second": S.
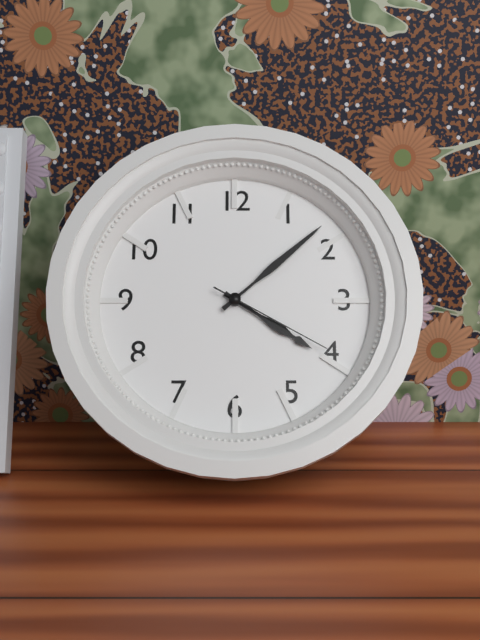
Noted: {"hour": 4, "minute": 8, "second": 20}
